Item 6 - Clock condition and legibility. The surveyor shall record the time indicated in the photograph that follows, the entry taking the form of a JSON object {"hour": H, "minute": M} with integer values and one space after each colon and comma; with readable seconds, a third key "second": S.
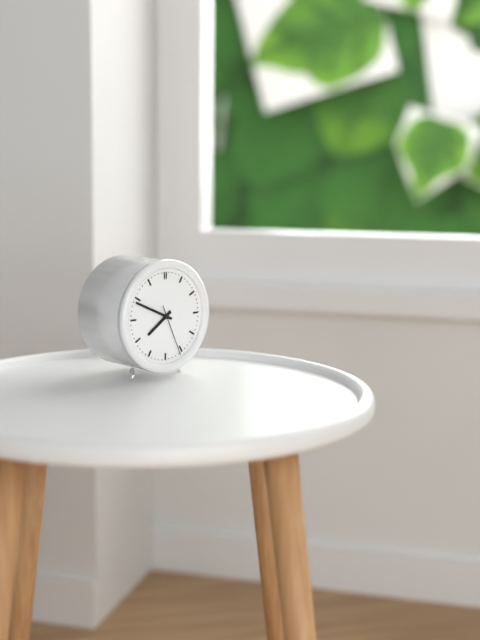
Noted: {"hour": 7, "minute": 49, "second": 26}
